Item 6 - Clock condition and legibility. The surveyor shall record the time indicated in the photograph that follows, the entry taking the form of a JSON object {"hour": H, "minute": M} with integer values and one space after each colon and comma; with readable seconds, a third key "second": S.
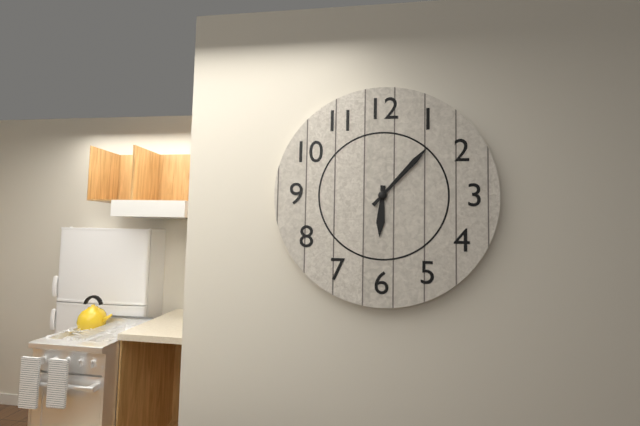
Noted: {"hour": 6, "minute": 7}
